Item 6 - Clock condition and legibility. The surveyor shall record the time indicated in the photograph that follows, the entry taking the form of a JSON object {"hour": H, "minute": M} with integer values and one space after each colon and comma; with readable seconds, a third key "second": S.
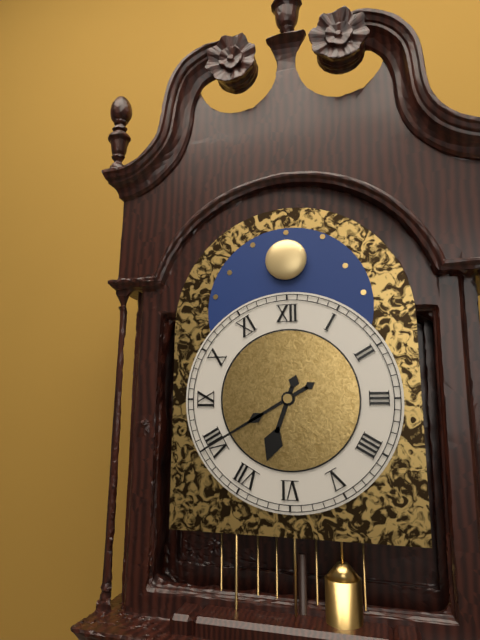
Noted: {"hour": 6, "minute": 40}
